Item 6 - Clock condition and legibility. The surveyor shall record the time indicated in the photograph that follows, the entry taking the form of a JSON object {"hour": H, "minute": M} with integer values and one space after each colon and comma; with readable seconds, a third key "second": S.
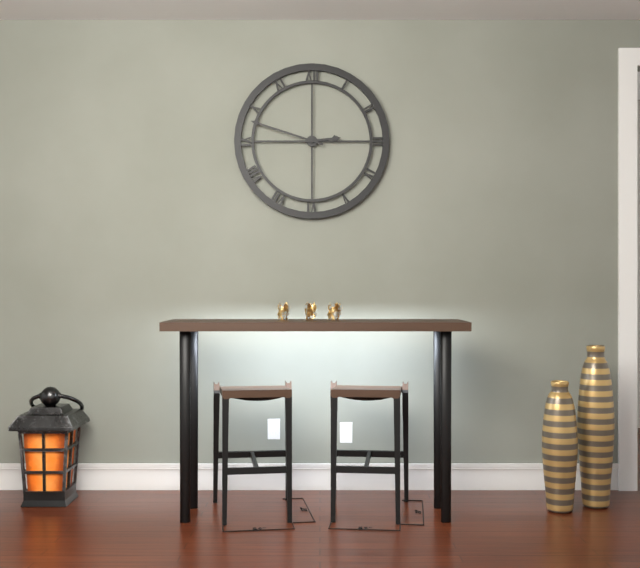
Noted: {"hour": 2, "minute": 48}
